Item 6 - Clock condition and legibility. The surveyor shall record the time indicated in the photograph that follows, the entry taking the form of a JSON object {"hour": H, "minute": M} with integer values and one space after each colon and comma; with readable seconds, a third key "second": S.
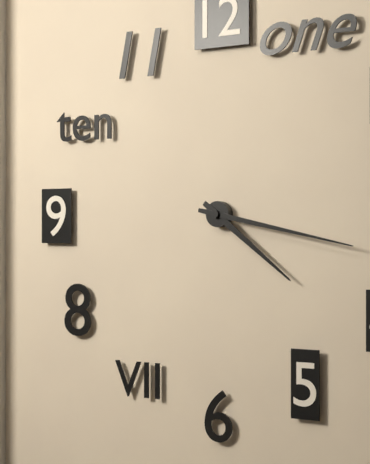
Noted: {"hour": 4, "minute": 17}
